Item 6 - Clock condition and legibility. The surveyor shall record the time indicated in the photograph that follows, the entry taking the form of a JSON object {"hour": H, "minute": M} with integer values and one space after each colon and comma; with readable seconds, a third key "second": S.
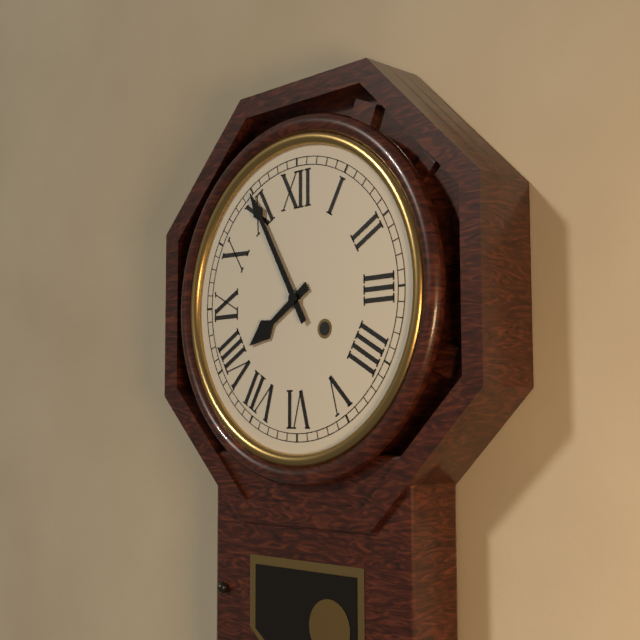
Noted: {"hour": 7, "minute": 55}
